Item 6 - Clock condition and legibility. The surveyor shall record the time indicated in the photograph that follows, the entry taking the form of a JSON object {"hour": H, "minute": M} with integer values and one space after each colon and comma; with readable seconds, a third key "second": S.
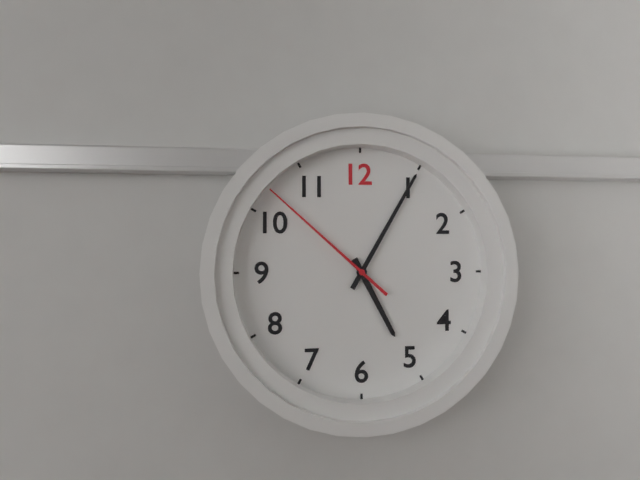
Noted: {"hour": 5, "minute": 5, "second": 52}
